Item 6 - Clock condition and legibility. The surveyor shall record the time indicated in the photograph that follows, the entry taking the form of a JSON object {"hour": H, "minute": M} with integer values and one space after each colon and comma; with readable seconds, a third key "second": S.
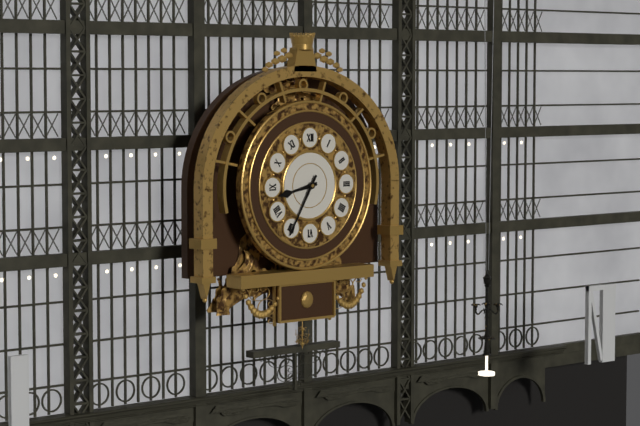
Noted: {"hour": 8, "minute": 35}
